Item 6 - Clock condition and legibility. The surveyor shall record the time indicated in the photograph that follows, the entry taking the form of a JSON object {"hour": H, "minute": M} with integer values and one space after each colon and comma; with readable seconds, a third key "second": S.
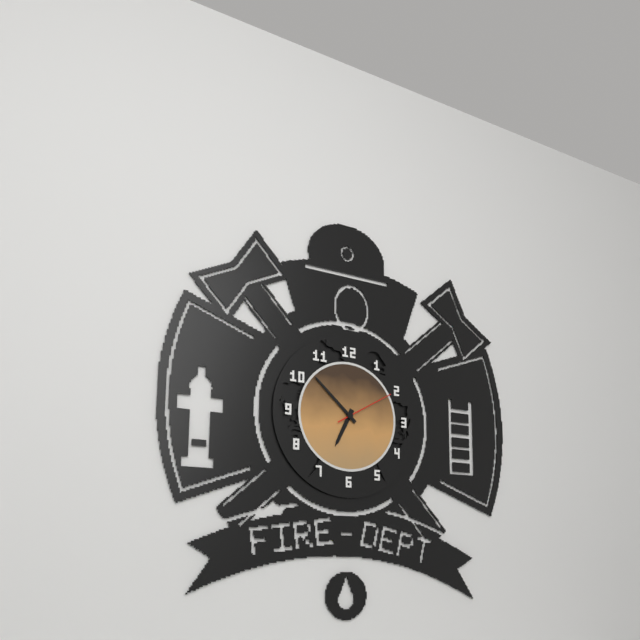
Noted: {"hour": 6, "minute": 52, "second": 10}
